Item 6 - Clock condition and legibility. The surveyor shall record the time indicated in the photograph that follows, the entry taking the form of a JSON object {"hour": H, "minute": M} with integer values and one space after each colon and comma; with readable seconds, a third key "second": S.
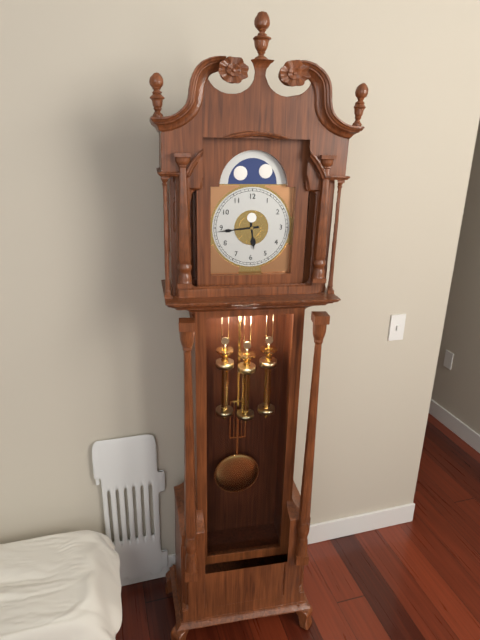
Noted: {"hour": 5, "minute": 44}
